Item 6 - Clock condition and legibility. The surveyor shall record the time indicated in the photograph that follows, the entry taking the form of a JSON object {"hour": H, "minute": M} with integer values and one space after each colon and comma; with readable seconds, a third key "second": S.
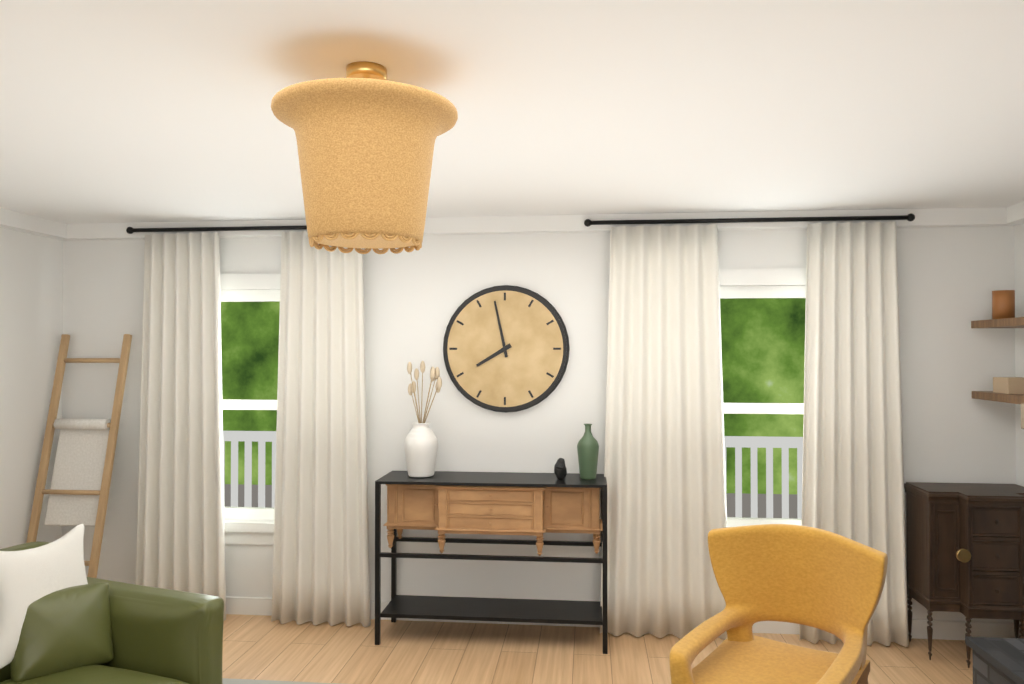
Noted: {"hour": 7, "minute": 58}
